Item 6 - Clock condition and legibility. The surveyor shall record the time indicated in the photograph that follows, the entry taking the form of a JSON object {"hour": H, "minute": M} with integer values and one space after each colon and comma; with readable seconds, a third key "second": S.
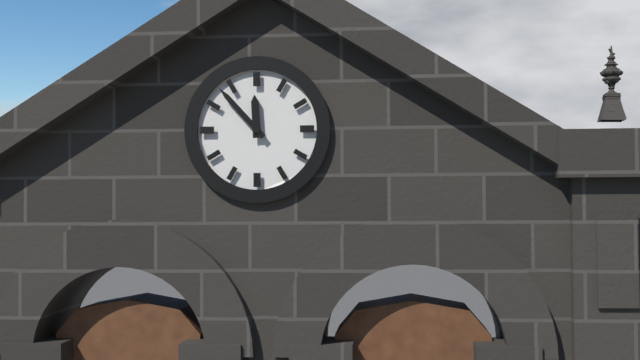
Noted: {"hour": 11, "minute": 53}
